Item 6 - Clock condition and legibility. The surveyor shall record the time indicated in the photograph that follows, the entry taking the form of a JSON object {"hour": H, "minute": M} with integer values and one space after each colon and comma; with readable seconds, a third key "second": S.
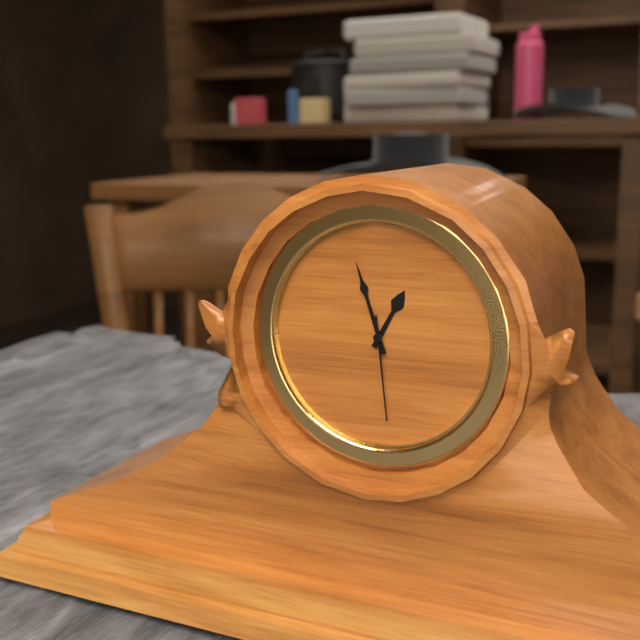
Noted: {"hour": 12, "minute": 57, "second": 29}
